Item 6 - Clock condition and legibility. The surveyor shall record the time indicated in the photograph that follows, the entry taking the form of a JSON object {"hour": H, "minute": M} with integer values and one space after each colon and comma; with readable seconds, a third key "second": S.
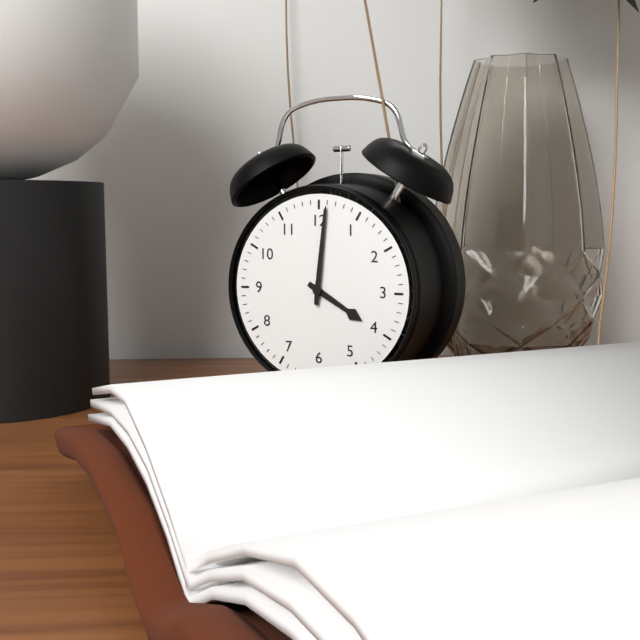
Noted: {"hour": 4, "minute": 1}
